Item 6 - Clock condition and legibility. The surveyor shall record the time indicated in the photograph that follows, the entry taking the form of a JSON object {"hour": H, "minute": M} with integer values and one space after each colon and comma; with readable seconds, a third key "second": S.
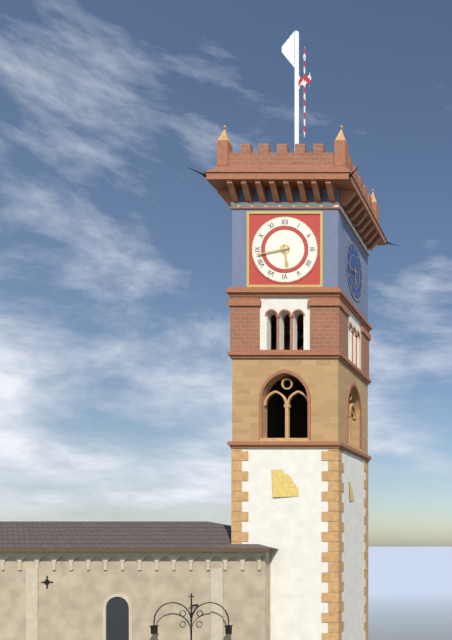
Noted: {"hour": 5, "minute": 43}
